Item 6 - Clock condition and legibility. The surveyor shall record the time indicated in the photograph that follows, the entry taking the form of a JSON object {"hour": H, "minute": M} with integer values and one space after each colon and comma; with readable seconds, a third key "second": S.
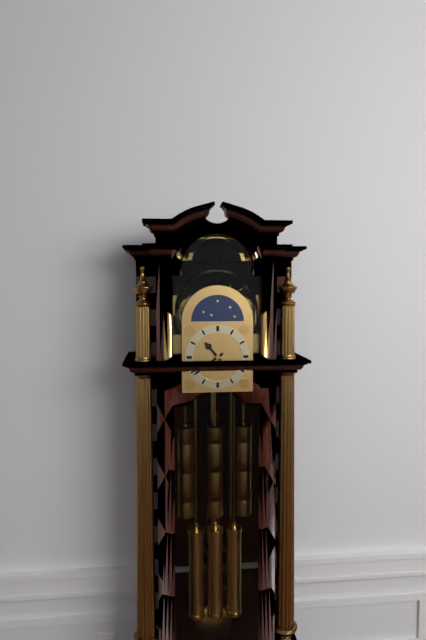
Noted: {"hour": 10, "minute": 39}
